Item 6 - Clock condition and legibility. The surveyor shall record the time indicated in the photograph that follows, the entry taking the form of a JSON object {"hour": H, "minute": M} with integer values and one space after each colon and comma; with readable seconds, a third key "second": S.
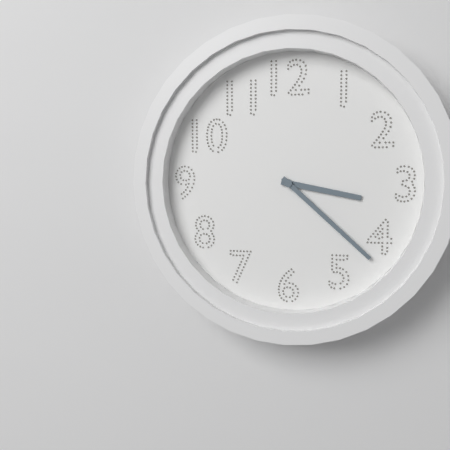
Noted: {"hour": 3, "minute": 22}
